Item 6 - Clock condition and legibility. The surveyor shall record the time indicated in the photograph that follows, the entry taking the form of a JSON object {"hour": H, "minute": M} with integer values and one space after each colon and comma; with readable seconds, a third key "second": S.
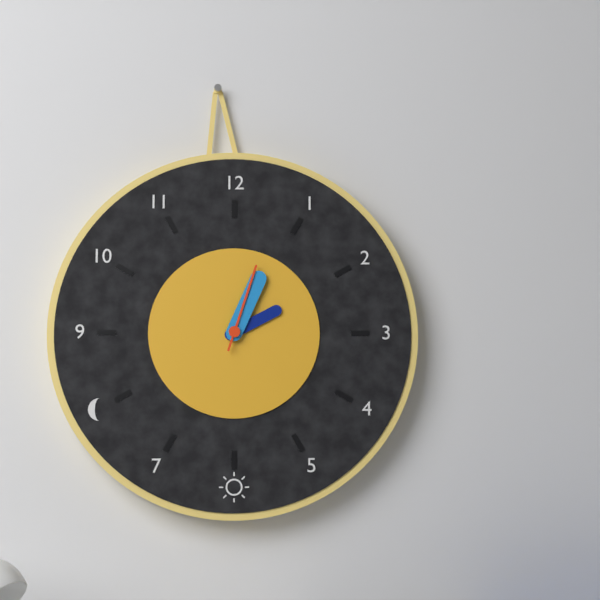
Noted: {"hour": 2, "minute": 4, "second": 3}
